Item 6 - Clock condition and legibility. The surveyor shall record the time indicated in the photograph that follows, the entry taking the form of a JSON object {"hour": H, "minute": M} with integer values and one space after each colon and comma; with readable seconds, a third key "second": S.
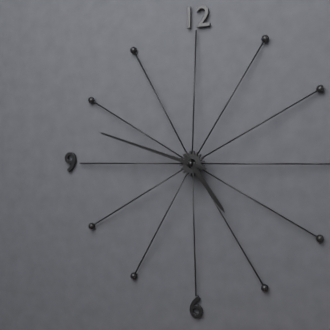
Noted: {"hour": 4, "minute": 48}
